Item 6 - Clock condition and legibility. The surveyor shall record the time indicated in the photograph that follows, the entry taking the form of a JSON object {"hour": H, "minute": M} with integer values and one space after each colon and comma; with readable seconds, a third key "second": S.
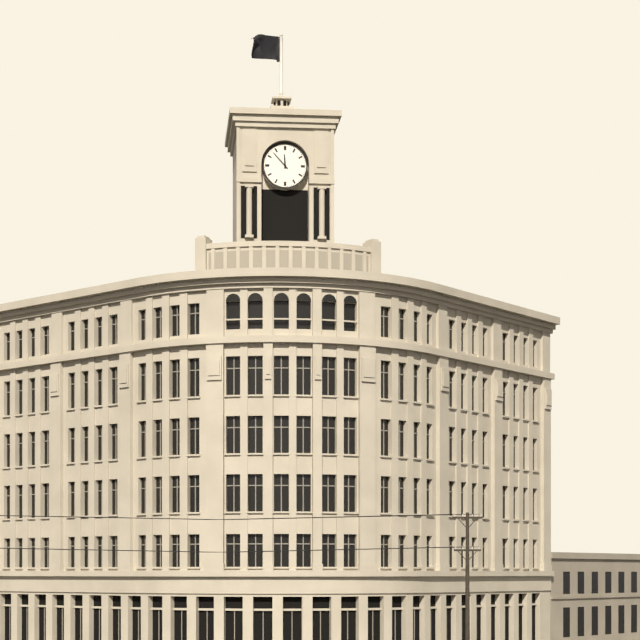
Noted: {"hour": 11, "minute": 53}
